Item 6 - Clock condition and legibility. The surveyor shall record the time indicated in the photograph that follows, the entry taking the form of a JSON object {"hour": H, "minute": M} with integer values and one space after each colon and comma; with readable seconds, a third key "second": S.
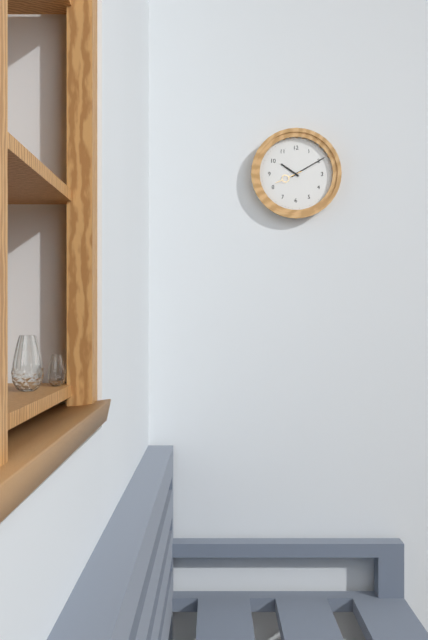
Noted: {"hour": 10, "minute": 10}
